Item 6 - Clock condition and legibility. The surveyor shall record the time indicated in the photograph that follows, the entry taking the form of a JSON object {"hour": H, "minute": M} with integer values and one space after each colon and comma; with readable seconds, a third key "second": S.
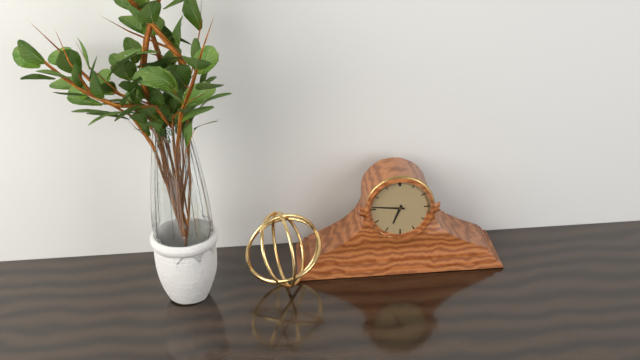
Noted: {"hour": 6, "minute": 46}
